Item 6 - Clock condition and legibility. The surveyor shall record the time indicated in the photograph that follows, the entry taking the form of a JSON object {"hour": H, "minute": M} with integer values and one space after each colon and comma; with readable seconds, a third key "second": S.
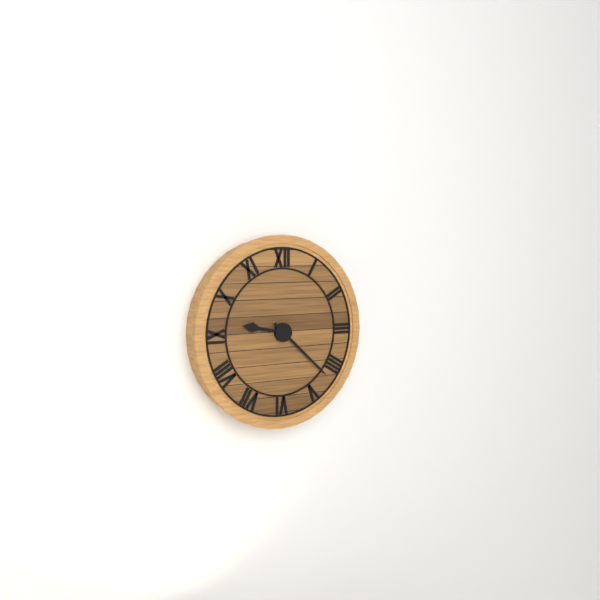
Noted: {"hour": 9, "minute": 22}
